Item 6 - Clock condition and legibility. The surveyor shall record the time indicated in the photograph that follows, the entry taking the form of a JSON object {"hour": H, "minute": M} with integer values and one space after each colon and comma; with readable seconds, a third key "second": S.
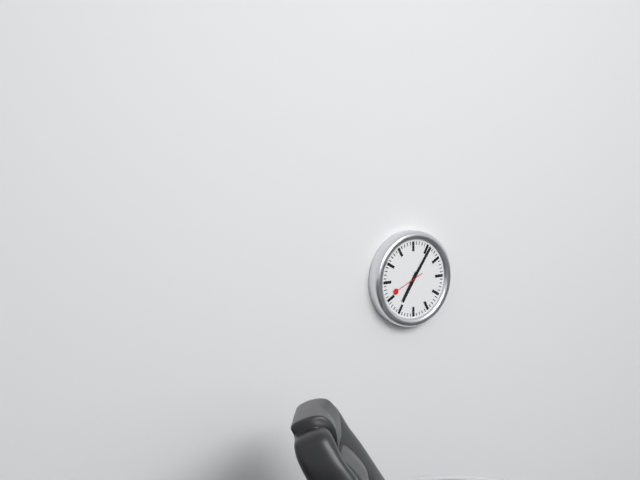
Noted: {"hour": 7, "minute": 6}
